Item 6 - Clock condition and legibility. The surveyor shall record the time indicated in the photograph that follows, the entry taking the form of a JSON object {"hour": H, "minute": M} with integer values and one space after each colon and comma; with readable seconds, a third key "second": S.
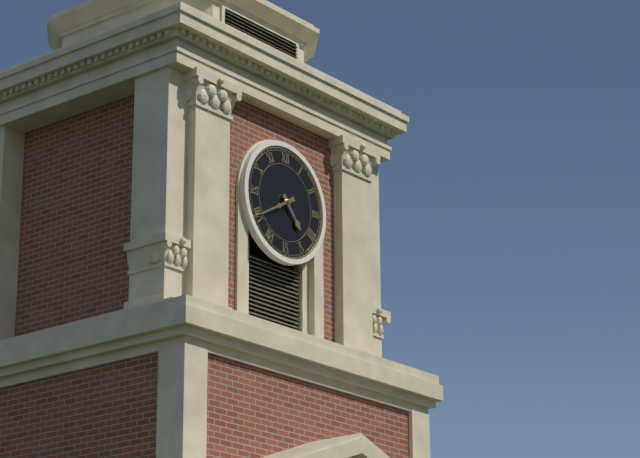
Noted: {"hour": 4, "minute": 40}
